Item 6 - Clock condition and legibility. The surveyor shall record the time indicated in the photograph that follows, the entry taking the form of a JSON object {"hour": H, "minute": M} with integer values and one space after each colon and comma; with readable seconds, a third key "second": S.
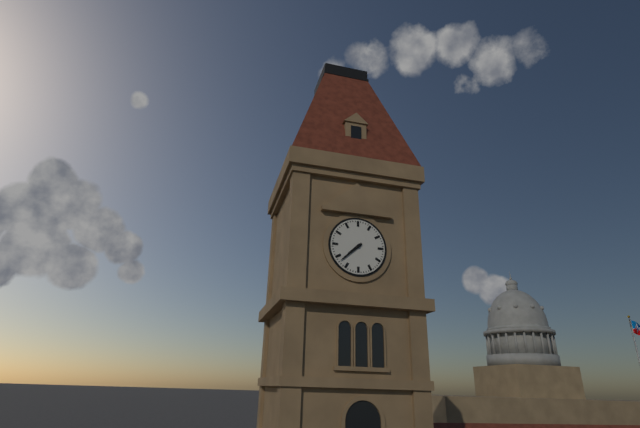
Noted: {"hour": 7, "minute": 38}
